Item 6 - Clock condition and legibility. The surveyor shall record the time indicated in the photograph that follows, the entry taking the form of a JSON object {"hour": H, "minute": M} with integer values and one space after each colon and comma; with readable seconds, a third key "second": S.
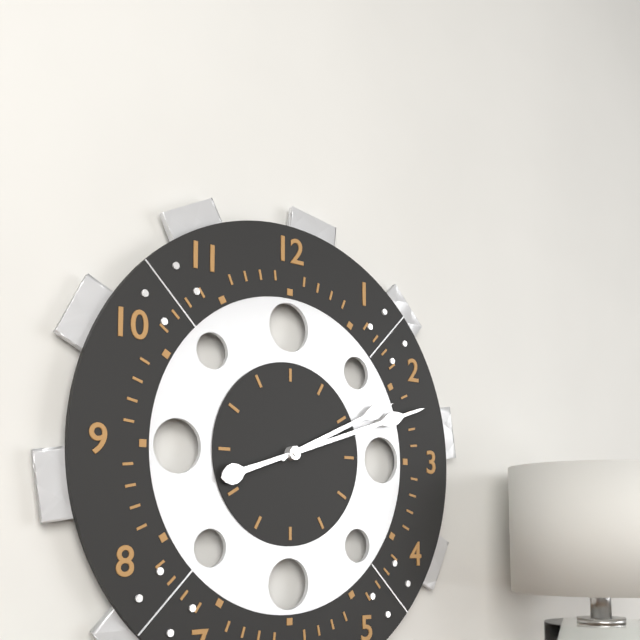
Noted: {"hour": 2, "minute": 12}
